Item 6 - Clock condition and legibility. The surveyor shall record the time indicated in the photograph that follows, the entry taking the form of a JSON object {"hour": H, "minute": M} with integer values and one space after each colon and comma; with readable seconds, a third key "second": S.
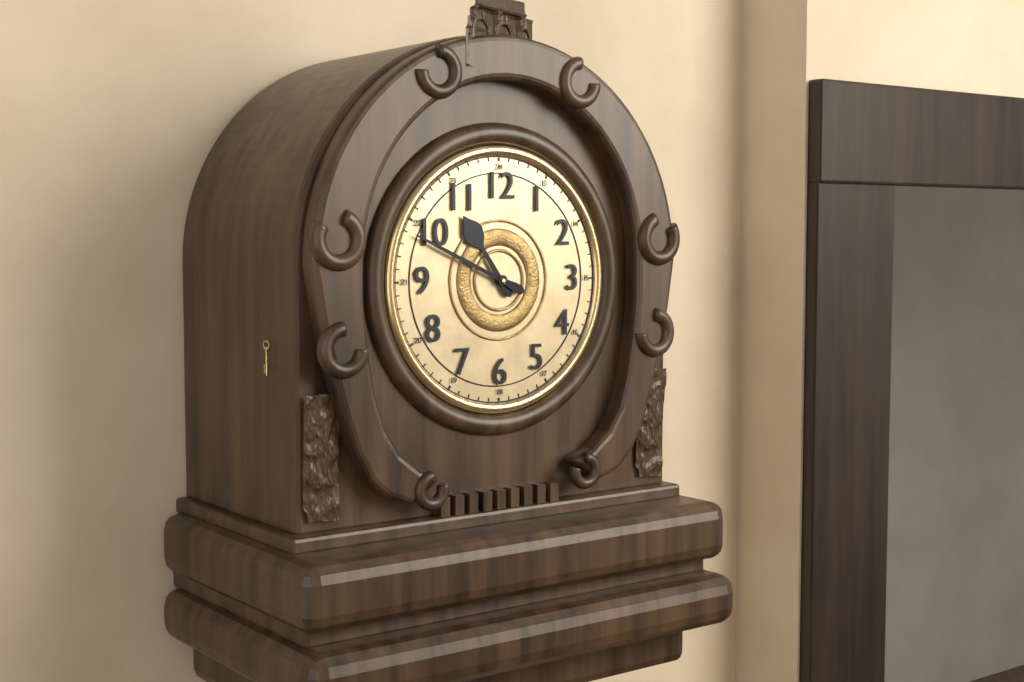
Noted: {"hour": 10, "minute": 49}
